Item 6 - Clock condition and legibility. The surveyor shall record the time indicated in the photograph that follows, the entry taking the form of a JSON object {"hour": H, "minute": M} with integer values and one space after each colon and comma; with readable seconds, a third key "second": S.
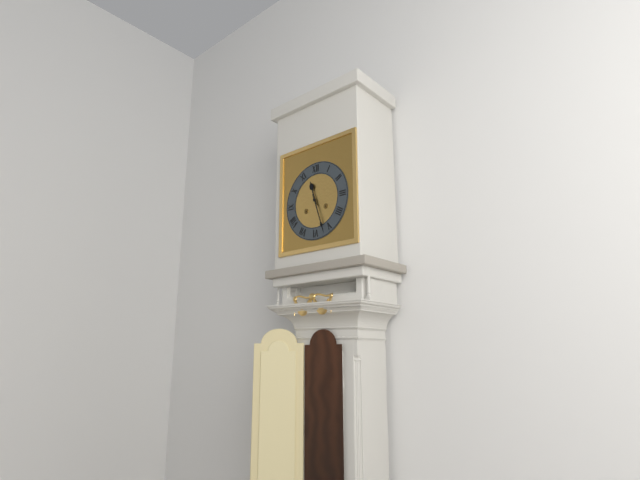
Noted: {"hour": 11, "minute": 27}
